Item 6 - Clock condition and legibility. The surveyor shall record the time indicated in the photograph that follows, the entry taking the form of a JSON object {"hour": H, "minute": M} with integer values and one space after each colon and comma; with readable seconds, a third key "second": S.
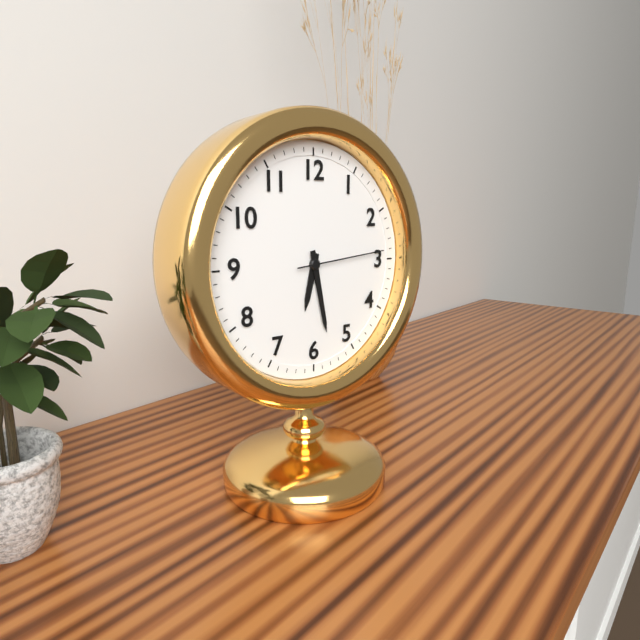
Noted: {"hour": 6, "minute": 28, "second": 14}
